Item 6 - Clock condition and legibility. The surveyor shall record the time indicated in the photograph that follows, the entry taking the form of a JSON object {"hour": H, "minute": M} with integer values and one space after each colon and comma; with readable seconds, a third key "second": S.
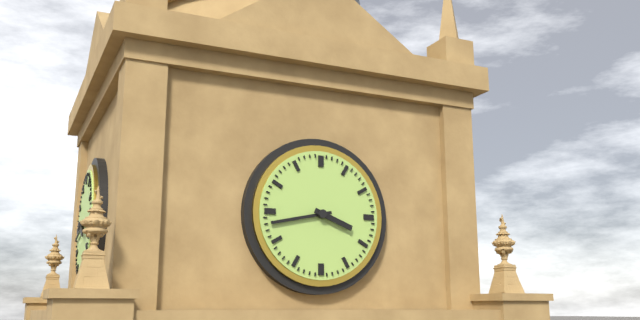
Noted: {"hour": 3, "minute": 43}
